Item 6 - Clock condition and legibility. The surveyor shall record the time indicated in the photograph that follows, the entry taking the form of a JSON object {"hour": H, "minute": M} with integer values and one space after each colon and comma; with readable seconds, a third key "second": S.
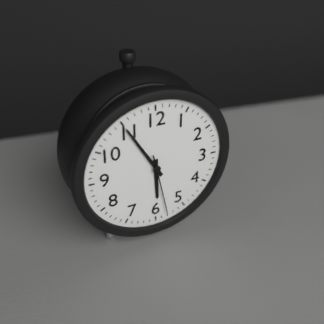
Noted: {"hour": 5, "minute": 55, "second": 28}
